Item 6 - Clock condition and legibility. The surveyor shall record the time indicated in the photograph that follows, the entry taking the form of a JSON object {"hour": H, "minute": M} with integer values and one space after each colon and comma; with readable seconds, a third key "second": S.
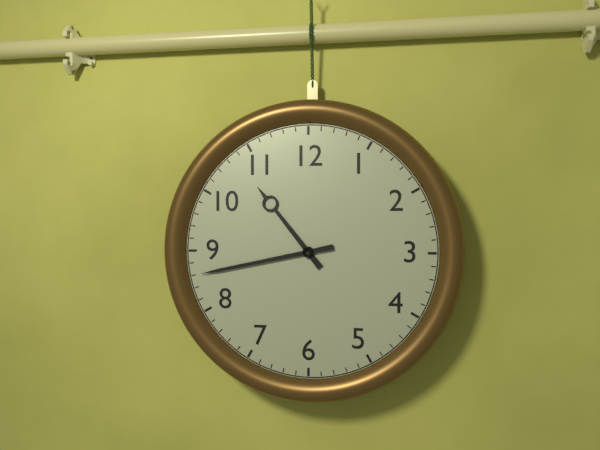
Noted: {"hour": 10, "minute": 43}
